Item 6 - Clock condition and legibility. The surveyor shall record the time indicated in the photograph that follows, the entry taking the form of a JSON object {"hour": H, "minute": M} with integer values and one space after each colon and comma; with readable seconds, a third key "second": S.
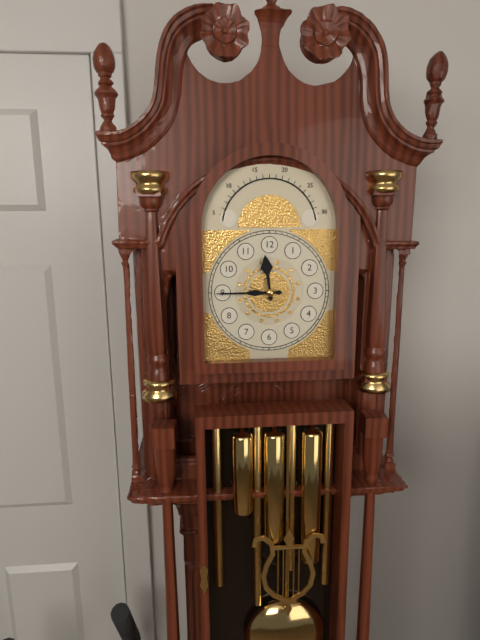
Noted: {"hour": 11, "minute": 45}
